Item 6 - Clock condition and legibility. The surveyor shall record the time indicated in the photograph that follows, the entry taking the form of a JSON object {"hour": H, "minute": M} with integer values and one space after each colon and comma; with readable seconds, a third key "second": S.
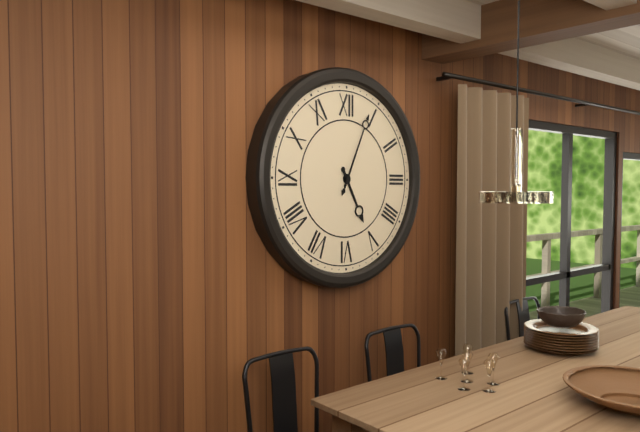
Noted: {"hour": 5, "minute": 4}
